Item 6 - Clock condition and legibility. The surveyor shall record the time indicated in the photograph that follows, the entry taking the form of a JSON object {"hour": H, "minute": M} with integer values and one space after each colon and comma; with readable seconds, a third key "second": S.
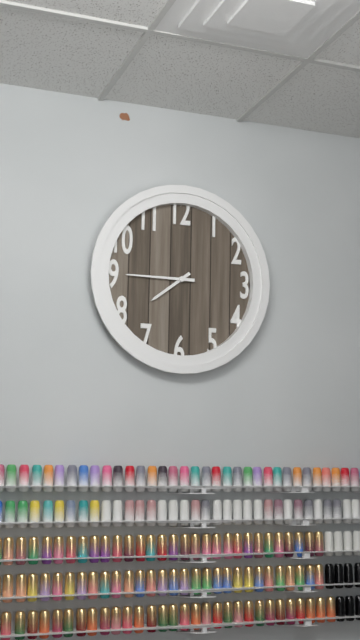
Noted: {"hour": 7, "minute": 45}
